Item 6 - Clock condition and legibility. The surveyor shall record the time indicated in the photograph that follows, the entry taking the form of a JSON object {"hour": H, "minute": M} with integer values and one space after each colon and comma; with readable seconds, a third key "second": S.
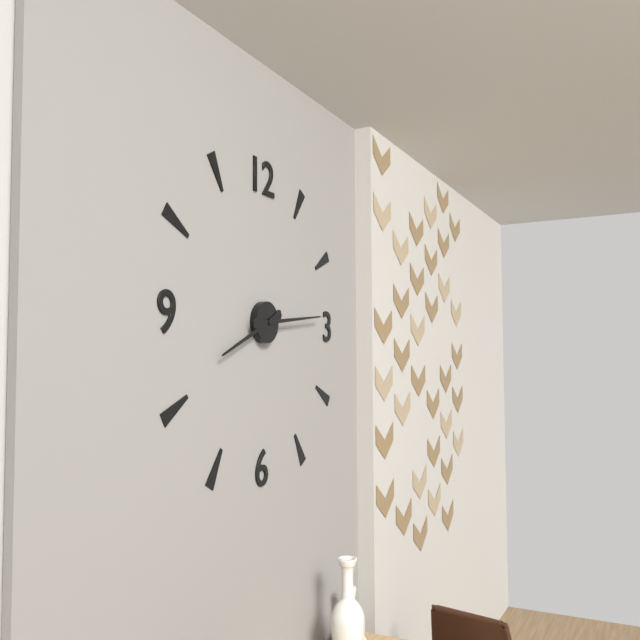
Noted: {"hour": 8, "minute": 14}
